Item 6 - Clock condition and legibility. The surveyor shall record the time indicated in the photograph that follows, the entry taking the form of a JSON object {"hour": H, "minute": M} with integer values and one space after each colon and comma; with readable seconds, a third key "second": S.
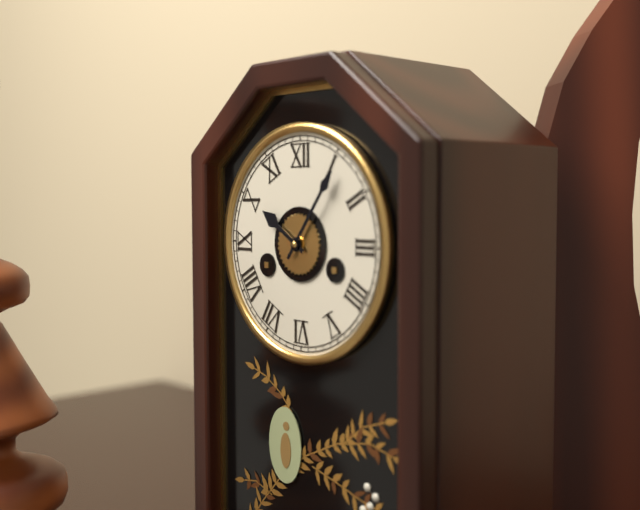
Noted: {"hour": 10, "minute": 6}
